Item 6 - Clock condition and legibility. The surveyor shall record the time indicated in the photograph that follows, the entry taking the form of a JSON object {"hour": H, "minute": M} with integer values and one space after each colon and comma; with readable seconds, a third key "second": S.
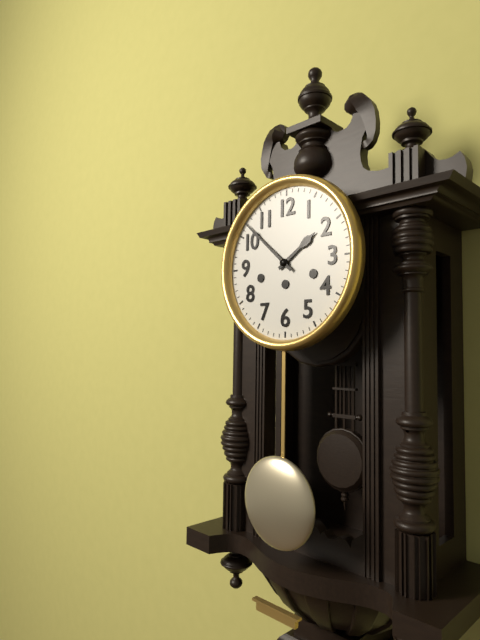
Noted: {"hour": 1, "minute": 52}
